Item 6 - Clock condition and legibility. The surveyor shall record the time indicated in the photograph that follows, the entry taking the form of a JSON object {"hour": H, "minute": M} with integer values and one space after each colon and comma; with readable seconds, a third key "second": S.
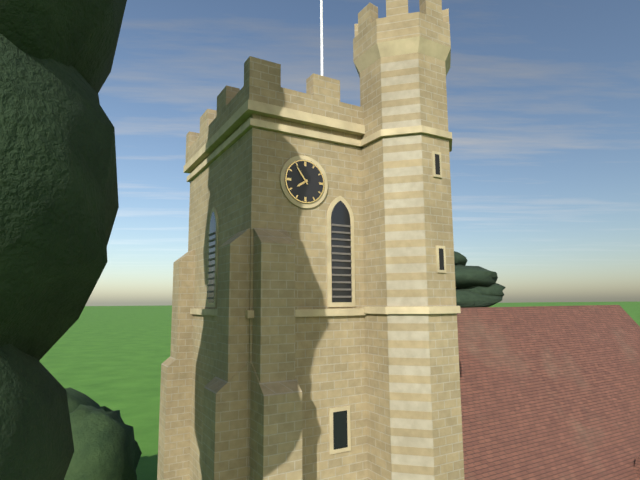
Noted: {"hour": 7, "minute": 54}
